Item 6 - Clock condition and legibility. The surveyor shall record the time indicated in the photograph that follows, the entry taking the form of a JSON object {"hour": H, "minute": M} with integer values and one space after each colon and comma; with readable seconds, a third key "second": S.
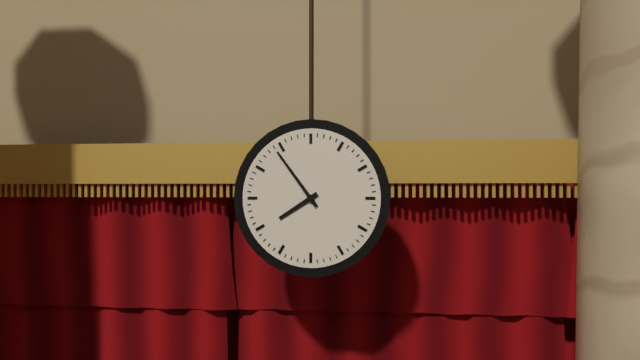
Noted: {"hour": 7, "minute": 54}
